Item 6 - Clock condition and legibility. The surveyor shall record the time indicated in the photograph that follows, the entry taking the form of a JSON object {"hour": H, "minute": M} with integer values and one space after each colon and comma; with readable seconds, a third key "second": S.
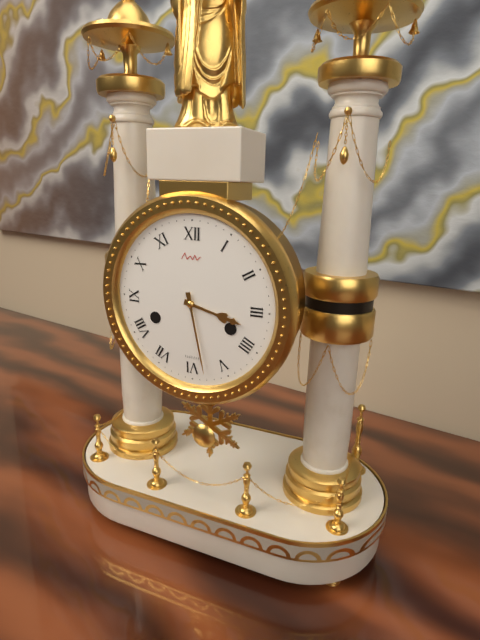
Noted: {"hour": 3, "minute": 28}
